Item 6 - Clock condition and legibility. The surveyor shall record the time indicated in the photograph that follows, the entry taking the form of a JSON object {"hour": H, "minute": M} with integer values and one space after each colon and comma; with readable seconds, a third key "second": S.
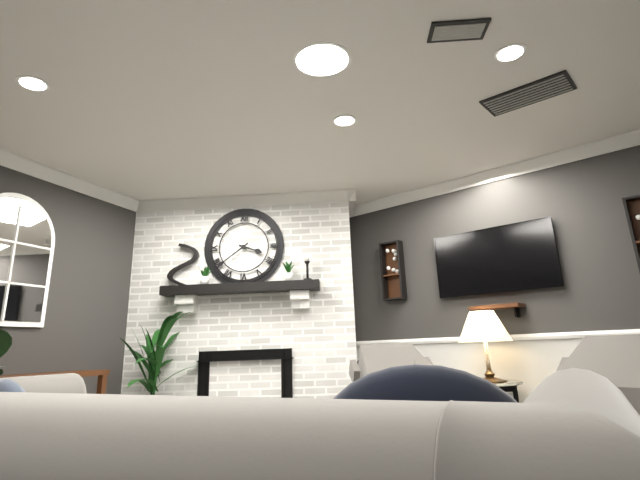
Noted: {"hour": 3, "minute": 39}
